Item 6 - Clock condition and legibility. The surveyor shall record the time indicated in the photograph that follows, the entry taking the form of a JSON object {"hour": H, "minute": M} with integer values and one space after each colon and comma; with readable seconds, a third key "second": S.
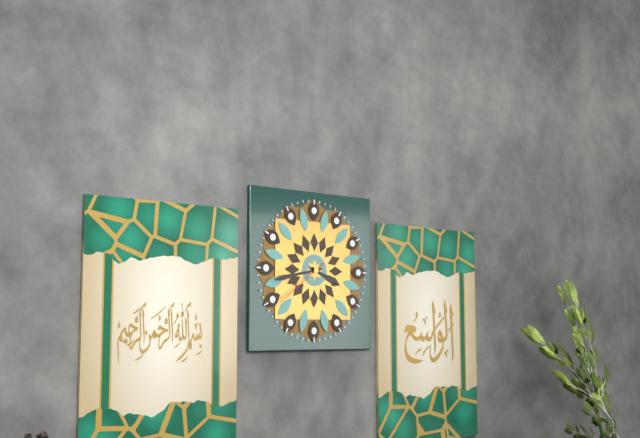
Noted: {"hour": 3, "minute": 43, "second": 39}
